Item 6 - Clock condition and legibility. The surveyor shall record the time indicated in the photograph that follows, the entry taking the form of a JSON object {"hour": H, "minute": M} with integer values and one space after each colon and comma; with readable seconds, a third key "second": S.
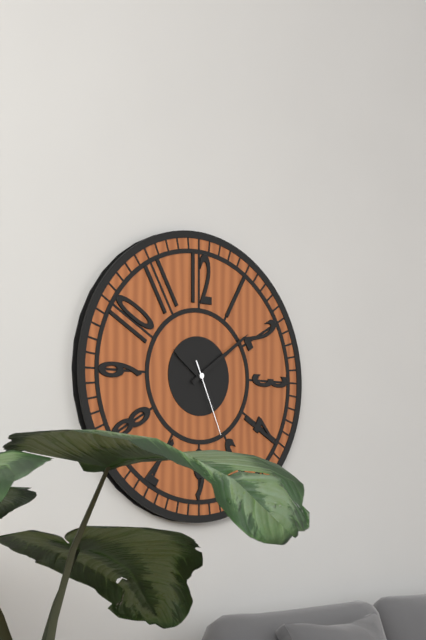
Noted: {"hour": 10, "minute": 9, "second": 26}
